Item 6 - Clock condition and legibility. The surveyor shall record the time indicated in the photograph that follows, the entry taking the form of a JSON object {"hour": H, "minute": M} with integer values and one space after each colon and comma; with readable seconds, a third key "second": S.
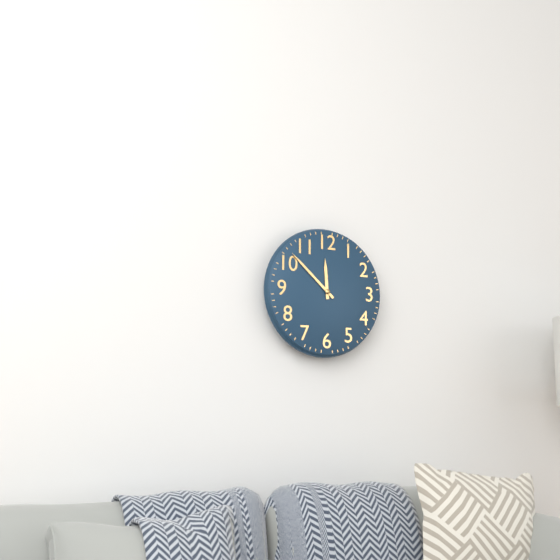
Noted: {"hour": 11, "minute": 52}
